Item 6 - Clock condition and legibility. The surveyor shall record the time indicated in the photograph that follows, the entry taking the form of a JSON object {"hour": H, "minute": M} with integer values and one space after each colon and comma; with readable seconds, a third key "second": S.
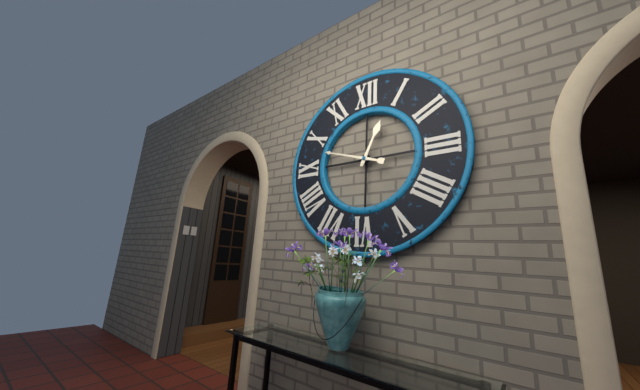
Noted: {"hour": 12, "minute": 48}
